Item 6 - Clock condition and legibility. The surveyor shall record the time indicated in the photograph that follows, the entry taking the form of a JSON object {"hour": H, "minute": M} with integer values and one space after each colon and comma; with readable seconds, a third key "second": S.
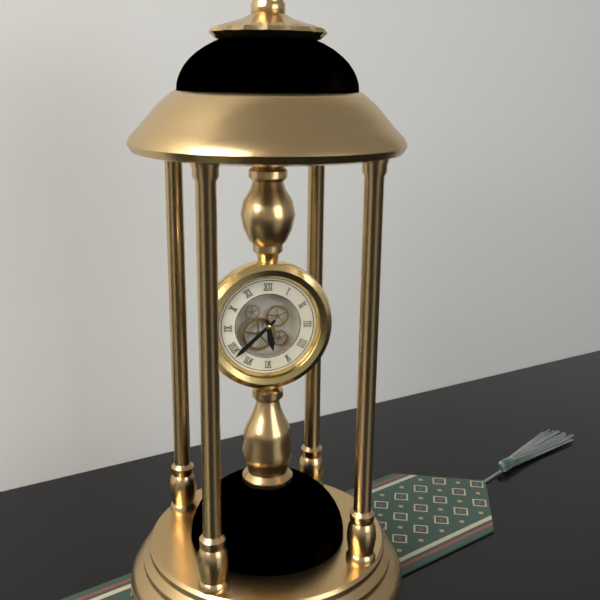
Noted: {"hour": 5, "minute": 38}
